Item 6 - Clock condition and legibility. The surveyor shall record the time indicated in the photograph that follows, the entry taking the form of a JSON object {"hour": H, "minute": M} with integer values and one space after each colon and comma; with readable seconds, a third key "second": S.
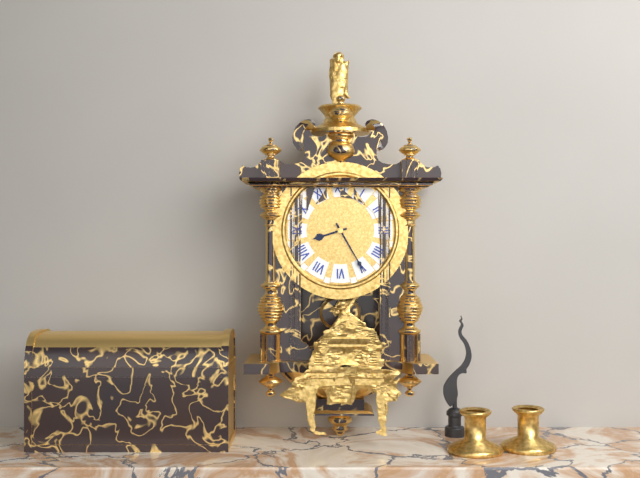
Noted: {"hour": 8, "minute": 25}
